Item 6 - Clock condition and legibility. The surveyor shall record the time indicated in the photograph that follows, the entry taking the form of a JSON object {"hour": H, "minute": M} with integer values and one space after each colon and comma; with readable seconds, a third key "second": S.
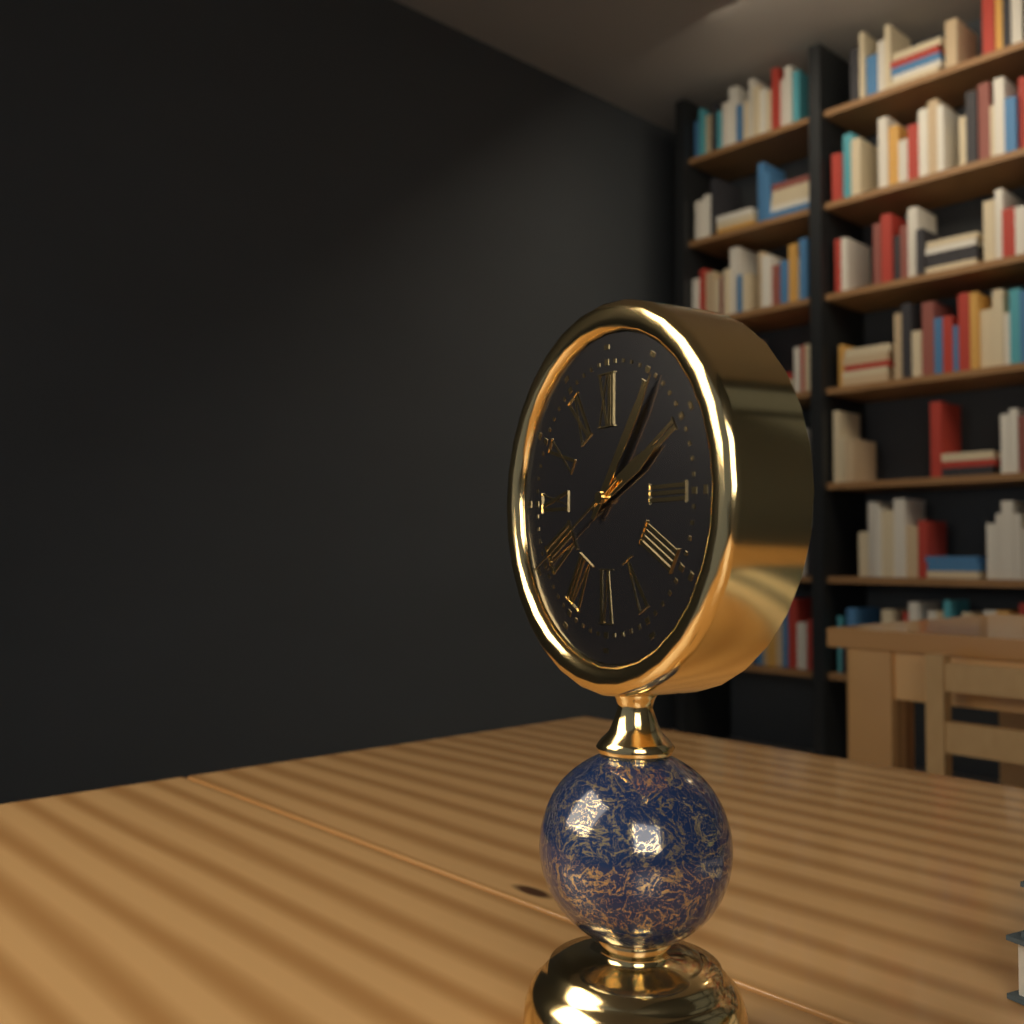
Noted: {"hour": 2, "minute": 6, "second": 40}
